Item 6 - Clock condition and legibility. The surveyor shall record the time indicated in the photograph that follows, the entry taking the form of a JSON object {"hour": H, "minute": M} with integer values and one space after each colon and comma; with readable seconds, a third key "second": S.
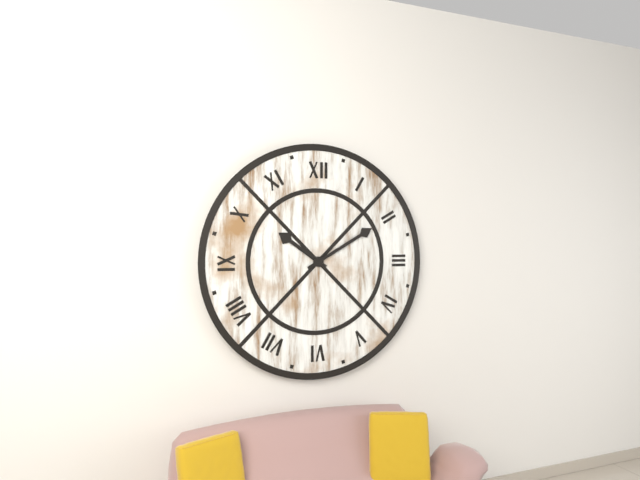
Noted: {"hour": 10, "minute": 10}
